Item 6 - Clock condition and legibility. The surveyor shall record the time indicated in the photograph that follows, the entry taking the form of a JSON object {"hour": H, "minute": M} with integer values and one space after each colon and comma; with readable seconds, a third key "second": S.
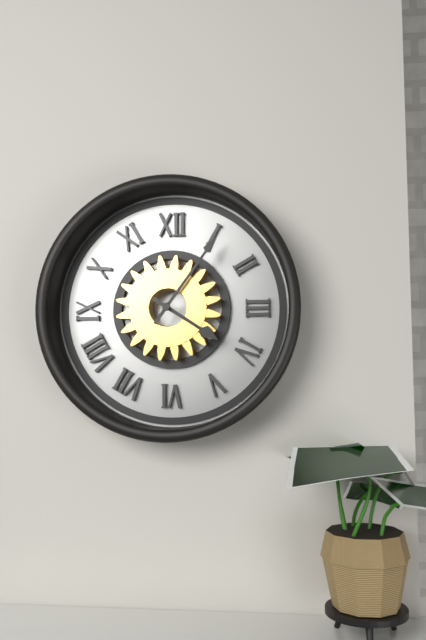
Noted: {"hour": 4, "minute": 6}
